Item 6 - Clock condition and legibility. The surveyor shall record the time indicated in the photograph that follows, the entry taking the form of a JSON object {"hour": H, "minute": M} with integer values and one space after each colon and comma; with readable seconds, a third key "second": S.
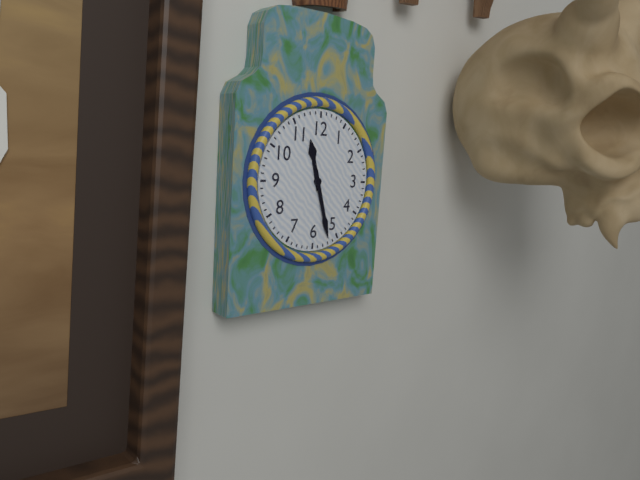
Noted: {"hour": 11, "minute": 27}
